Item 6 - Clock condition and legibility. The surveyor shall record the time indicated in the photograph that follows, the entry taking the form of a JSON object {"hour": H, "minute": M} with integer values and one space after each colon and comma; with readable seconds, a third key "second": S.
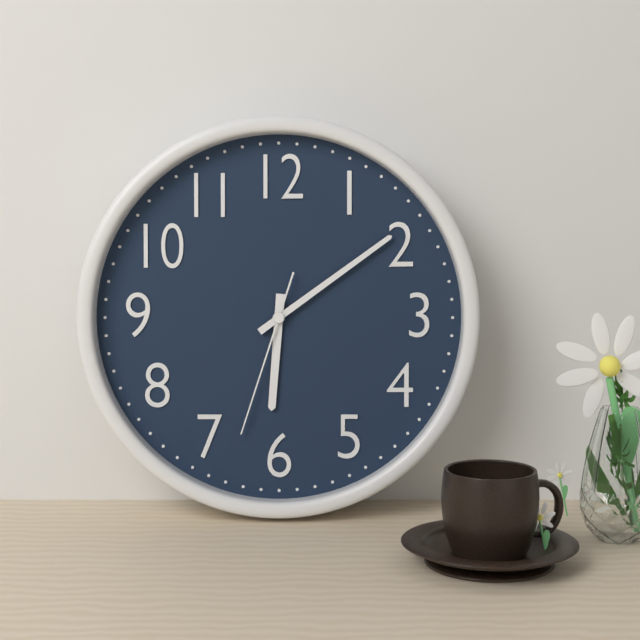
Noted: {"hour": 6, "minute": 9, "second": 33}
